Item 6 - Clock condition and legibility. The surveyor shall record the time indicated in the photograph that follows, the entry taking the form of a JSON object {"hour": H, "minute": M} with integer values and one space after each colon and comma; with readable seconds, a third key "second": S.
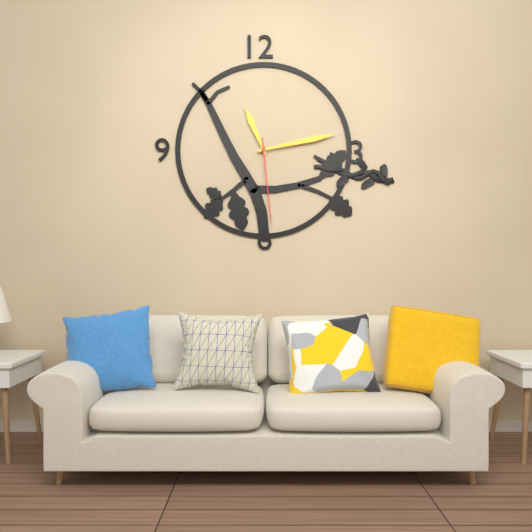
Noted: {"hour": 11, "minute": 13, "second": 29}
